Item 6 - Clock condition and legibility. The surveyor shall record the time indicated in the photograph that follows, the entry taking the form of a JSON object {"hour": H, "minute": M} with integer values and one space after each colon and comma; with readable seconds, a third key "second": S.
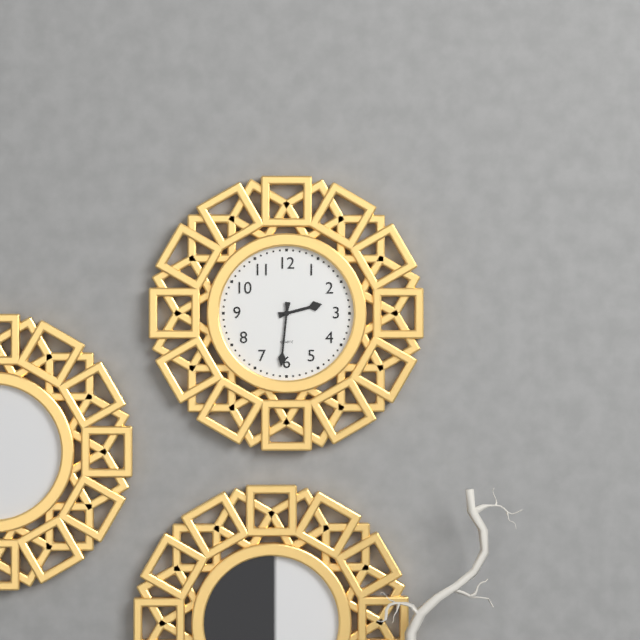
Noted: {"hour": 2, "minute": 31}
